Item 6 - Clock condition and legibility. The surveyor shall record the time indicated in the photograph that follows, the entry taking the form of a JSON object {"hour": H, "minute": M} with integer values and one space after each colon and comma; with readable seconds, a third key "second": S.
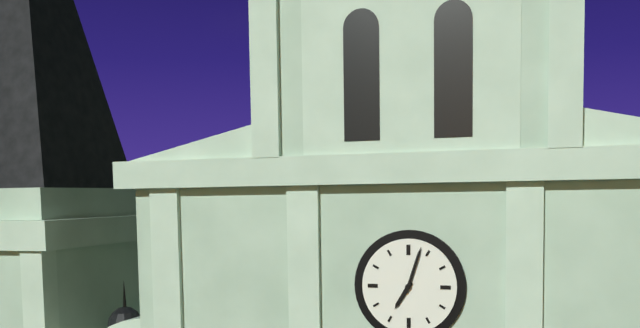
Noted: {"hour": 7, "minute": 3}
